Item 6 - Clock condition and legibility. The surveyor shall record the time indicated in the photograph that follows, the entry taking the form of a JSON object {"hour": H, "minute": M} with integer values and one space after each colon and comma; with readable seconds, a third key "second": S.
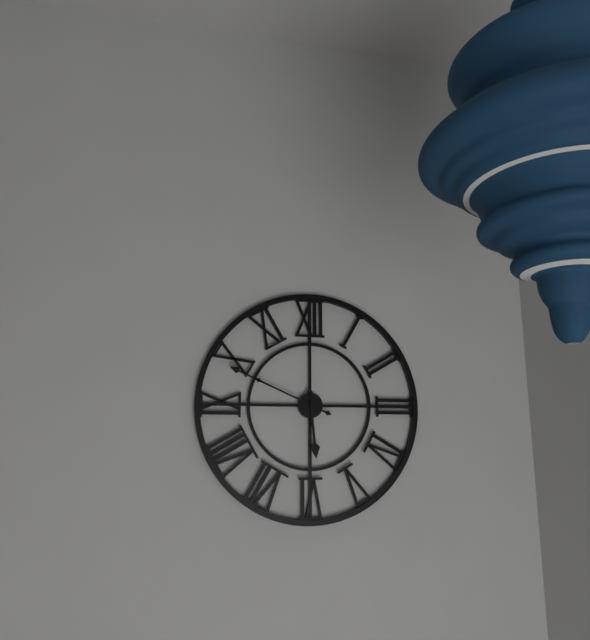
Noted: {"hour": 5, "minute": 49}
